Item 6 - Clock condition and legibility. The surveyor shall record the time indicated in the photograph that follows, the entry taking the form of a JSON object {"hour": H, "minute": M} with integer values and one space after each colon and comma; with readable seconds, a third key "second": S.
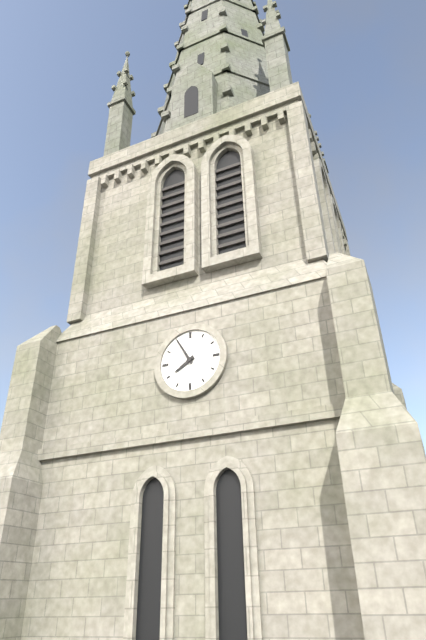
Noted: {"hour": 7, "minute": 55}
